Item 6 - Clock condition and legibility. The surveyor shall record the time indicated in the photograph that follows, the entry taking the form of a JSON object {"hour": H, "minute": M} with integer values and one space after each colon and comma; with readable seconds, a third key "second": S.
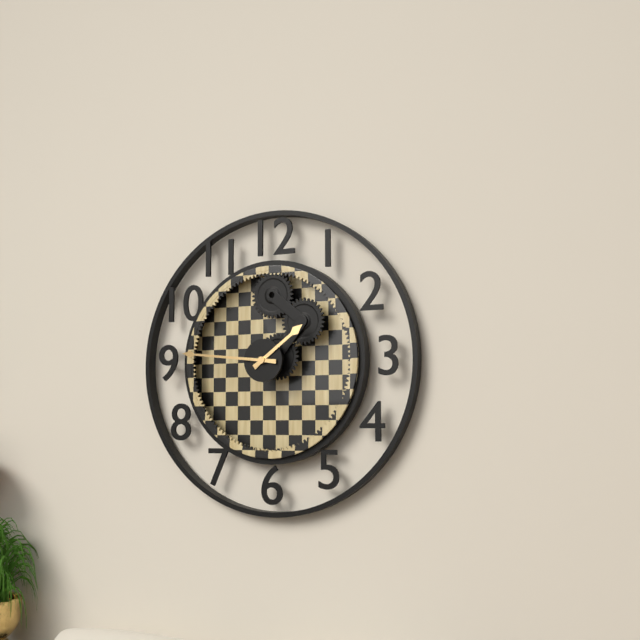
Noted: {"hour": 1, "minute": 46}
